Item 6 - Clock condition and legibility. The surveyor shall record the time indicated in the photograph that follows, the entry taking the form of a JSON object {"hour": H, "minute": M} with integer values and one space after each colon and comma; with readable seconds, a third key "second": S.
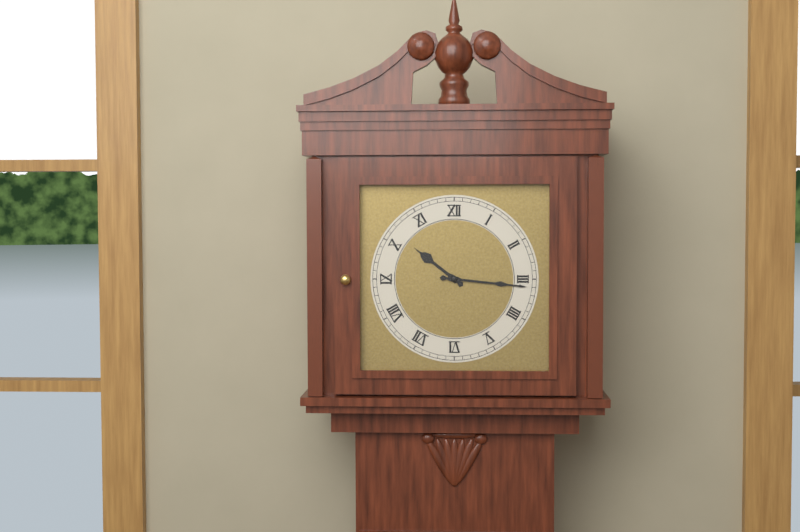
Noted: {"hour": 10, "minute": 16}
